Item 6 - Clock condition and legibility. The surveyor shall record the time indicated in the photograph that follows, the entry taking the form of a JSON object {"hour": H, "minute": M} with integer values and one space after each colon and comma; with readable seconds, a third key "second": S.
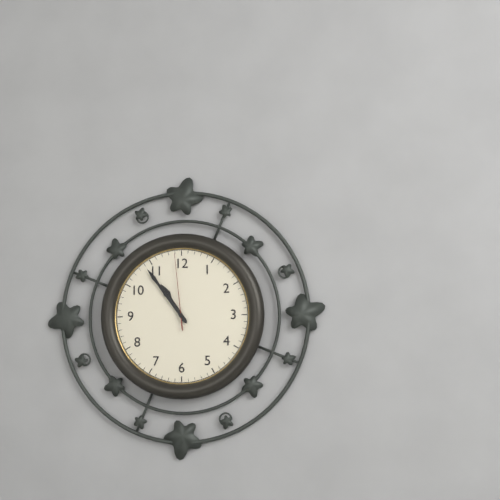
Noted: {"hour": 10, "minute": 54, "second": 59}
